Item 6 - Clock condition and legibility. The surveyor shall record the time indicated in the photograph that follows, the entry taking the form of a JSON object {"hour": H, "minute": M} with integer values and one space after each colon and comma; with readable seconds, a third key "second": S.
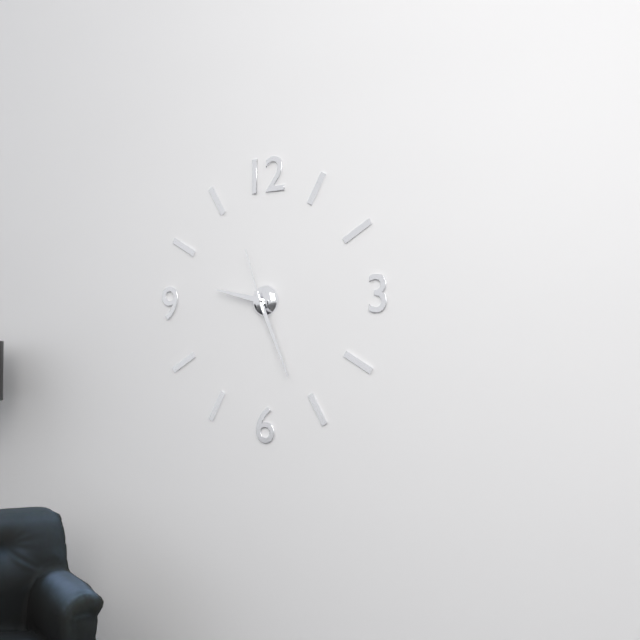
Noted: {"hour": 9, "minute": 26, "second": 57}
